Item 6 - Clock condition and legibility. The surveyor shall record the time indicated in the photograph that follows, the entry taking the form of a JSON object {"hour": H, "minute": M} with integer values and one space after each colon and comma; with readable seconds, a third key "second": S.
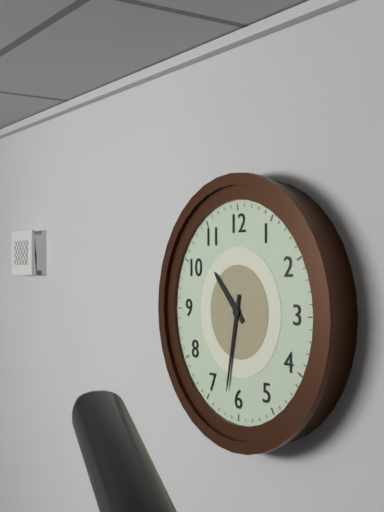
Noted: {"hour": 10, "minute": 32}
